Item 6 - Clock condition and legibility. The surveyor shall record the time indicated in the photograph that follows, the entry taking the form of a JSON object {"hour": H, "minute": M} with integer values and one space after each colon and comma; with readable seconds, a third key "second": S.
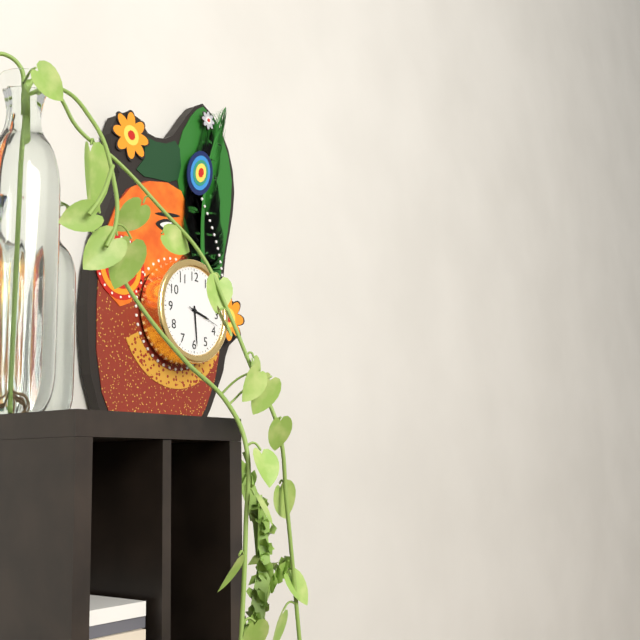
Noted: {"hour": 3, "minute": 29}
